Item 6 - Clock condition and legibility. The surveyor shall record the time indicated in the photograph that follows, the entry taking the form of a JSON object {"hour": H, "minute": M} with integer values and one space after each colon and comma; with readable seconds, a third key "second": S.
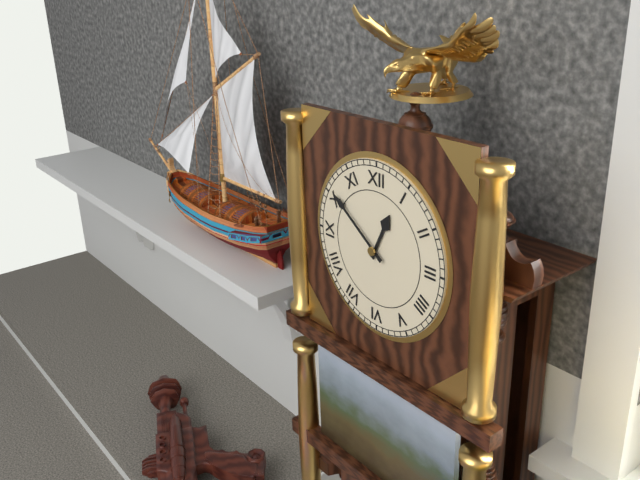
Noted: {"hour": 12, "minute": 51}
